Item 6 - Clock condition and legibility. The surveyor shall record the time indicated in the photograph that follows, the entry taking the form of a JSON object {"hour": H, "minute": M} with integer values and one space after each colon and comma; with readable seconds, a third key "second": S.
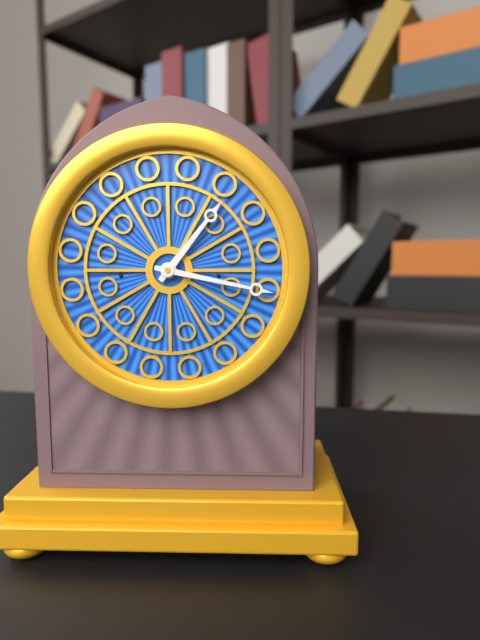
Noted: {"hour": 1, "minute": 17}
